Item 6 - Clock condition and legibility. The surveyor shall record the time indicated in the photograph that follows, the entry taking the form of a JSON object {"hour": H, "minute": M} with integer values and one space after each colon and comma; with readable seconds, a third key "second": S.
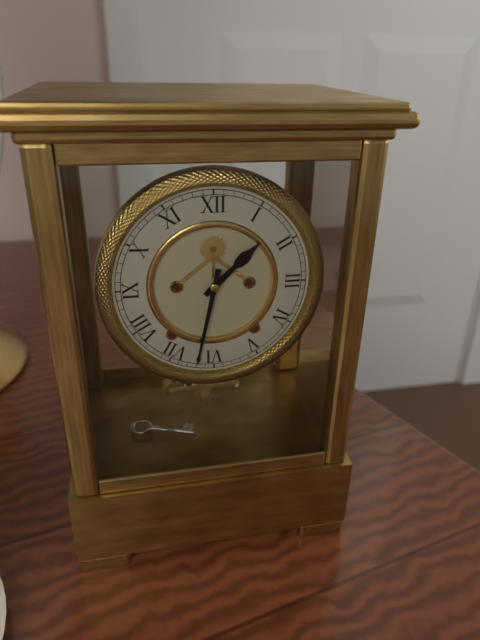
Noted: {"hour": 1, "minute": 32}
